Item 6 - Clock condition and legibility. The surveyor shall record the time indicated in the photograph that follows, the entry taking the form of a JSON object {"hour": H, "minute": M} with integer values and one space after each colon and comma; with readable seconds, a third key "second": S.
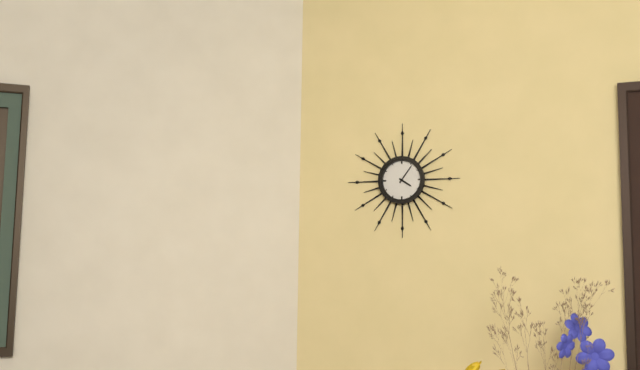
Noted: {"hour": 4, "minute": 6}
